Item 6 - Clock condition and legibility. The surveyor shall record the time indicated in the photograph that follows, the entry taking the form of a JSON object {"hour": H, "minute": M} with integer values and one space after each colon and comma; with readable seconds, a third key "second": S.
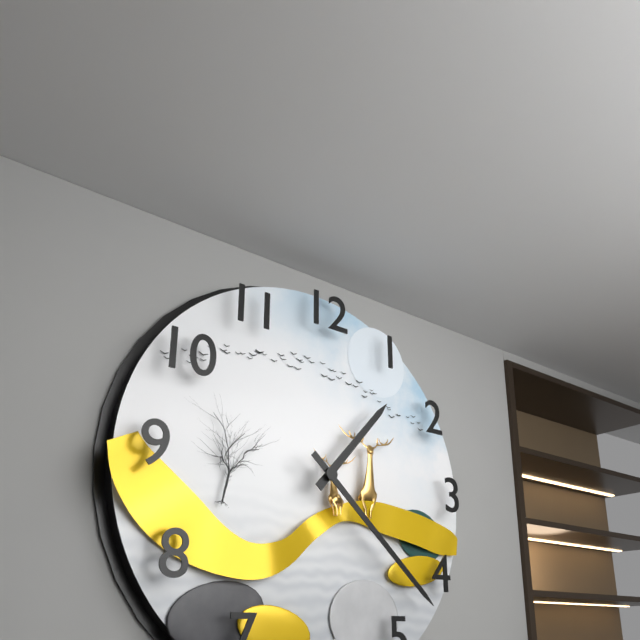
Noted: {"hour": 1, "minute": 22}
